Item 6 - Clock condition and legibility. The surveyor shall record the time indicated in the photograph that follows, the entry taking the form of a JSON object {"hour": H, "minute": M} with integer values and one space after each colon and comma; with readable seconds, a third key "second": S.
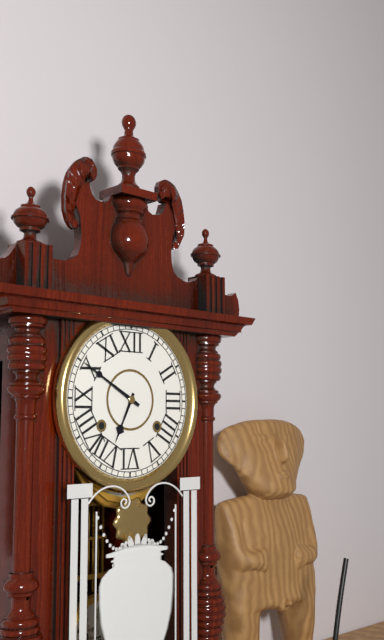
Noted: {"hour": 6, "minute": 50}
